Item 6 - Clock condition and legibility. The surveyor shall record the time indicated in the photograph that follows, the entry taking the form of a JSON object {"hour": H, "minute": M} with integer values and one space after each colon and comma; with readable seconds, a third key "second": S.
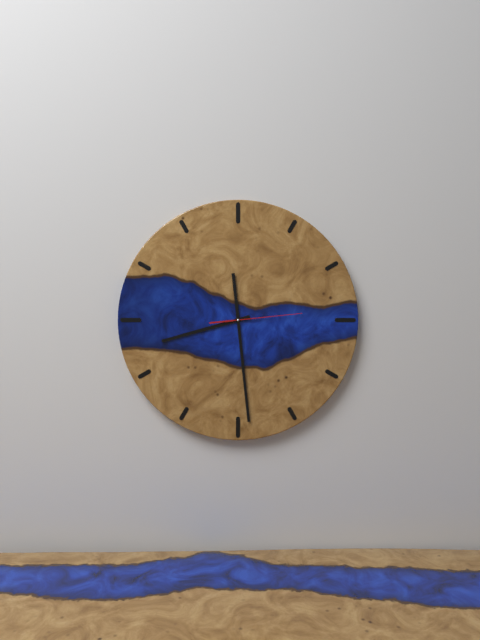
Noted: {"hour": 8, "minute": 29, "second": 14}
